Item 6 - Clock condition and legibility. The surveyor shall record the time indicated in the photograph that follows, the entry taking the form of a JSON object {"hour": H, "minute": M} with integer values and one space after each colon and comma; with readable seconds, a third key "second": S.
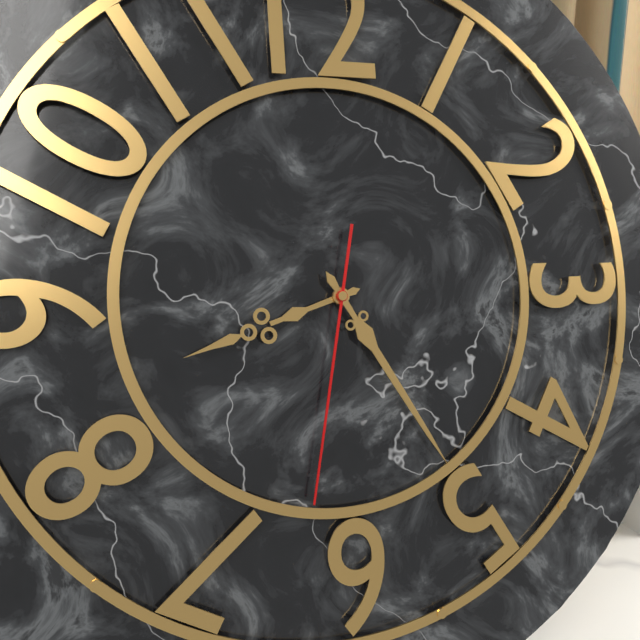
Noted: {"hour": 8, "minute": 25, "second": 32}
